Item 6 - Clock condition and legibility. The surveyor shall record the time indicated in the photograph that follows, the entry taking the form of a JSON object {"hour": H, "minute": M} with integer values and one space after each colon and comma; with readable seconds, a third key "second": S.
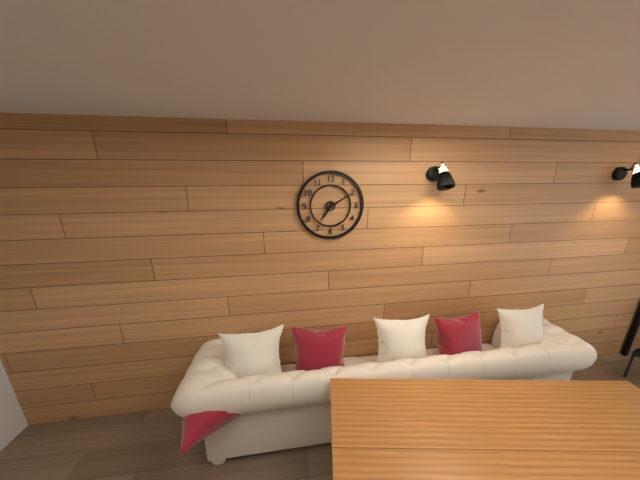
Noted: {"hour": 7, "minute": 10}
